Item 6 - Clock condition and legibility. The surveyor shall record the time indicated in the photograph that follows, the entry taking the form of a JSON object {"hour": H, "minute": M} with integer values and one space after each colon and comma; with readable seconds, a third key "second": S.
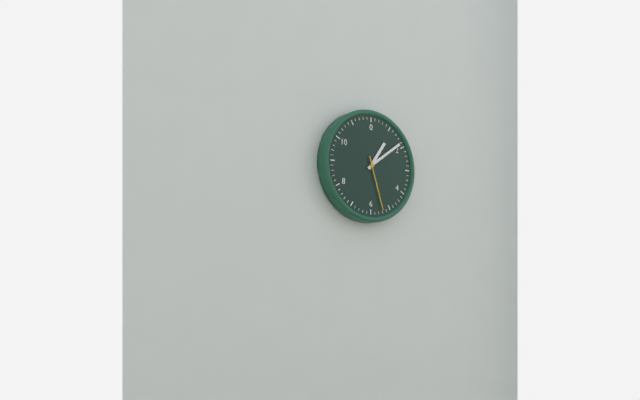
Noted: {"hour": 1, "minute": 9, "second": 27}
